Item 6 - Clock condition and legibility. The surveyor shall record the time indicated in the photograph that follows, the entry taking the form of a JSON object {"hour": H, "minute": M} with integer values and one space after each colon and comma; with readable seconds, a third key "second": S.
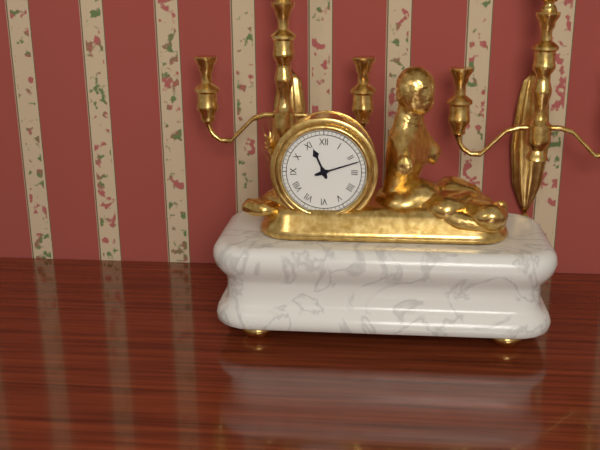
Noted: {"hour": 11, "minute": 12}
